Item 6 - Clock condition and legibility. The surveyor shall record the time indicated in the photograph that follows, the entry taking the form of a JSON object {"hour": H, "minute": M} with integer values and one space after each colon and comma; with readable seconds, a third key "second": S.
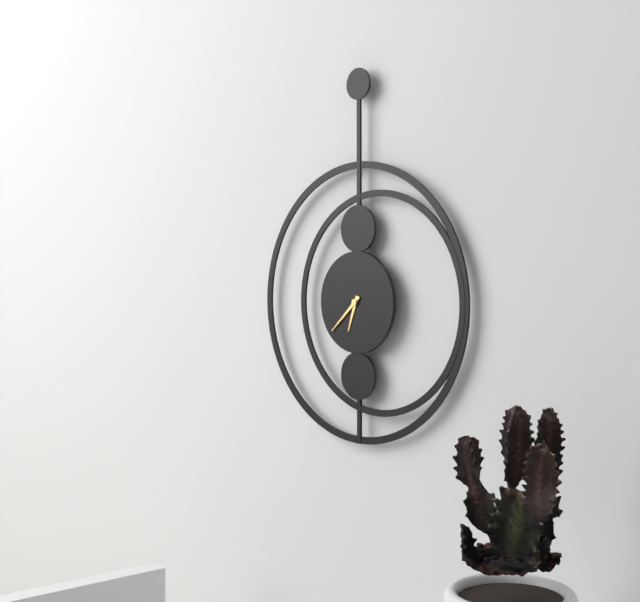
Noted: {"hour": 6, "minute": 38}
